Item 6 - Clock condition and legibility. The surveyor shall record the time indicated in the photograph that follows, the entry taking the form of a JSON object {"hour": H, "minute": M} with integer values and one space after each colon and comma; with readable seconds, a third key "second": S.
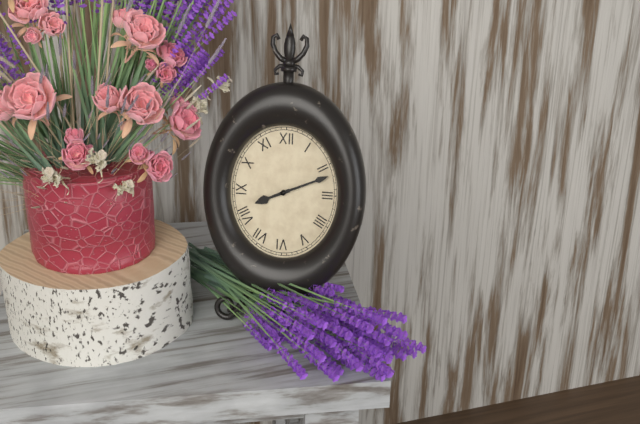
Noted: {"hour": 8, "minute": 11}
